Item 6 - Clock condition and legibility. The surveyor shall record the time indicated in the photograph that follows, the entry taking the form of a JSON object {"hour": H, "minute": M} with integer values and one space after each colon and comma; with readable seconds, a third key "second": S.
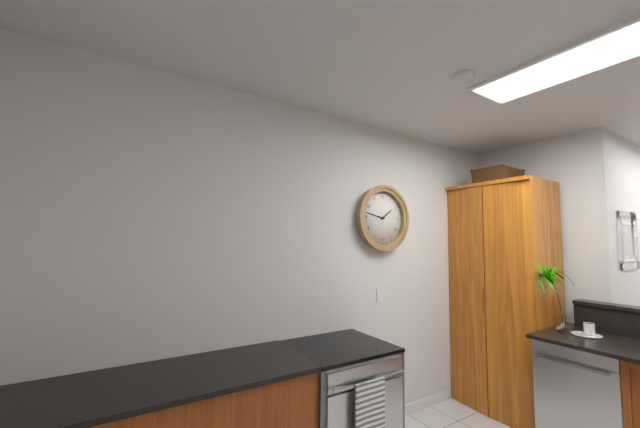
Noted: {"hour": 1, "minute": 47}
